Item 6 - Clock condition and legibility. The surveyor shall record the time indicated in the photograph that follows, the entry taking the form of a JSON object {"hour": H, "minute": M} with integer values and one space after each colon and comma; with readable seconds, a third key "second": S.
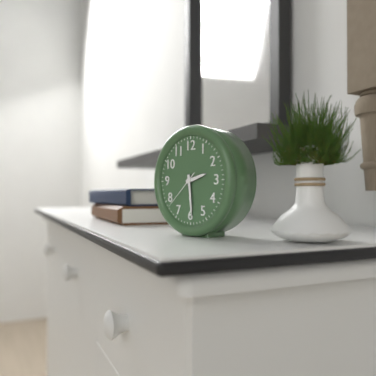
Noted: {"hour": 2, "minute": 29, "second": 38}
